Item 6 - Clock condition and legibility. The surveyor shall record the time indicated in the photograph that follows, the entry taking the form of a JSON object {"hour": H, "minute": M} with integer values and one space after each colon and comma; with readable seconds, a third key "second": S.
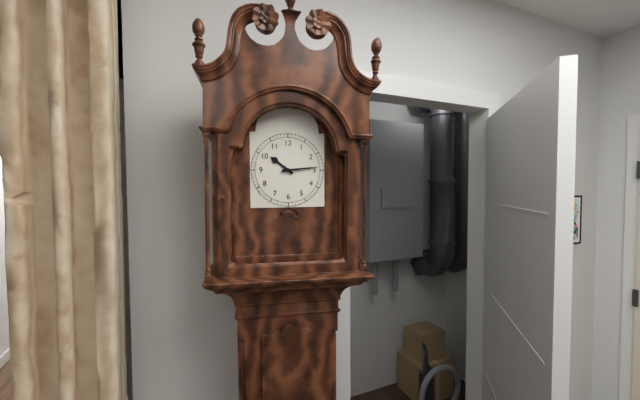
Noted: {"hour": 10, "minute": 14}
